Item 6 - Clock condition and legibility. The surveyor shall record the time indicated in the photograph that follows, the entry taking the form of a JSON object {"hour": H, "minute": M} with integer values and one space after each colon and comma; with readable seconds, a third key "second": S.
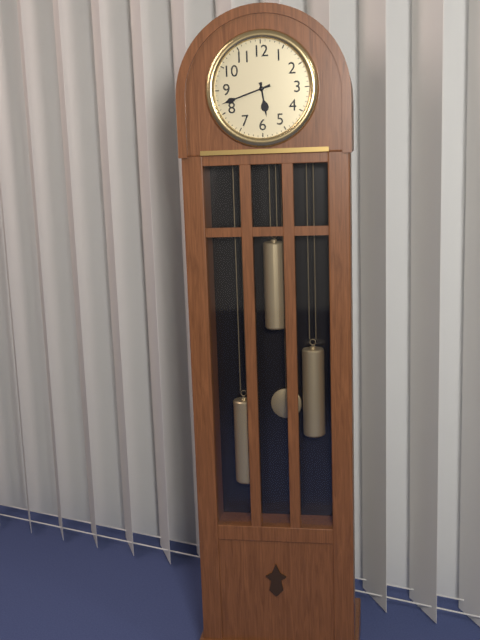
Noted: {"hour": 5, "minute": 42}
